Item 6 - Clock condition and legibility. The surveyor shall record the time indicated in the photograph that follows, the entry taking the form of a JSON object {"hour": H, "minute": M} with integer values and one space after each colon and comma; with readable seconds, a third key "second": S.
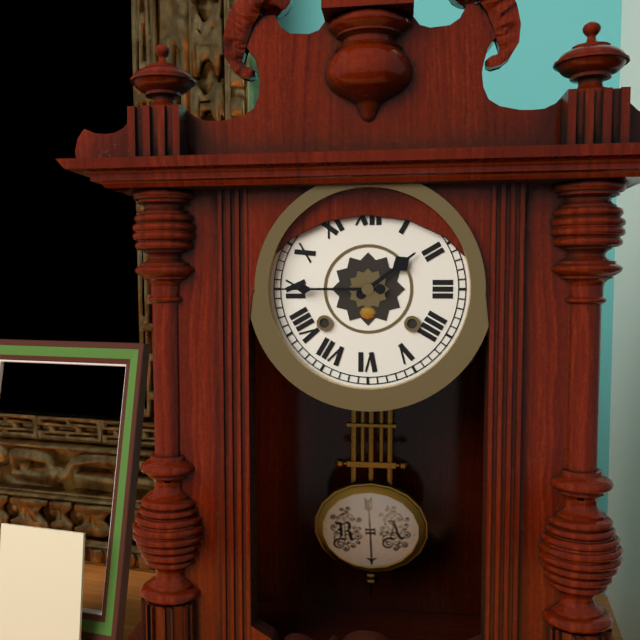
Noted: {"hour": 1, "minute": 45}
